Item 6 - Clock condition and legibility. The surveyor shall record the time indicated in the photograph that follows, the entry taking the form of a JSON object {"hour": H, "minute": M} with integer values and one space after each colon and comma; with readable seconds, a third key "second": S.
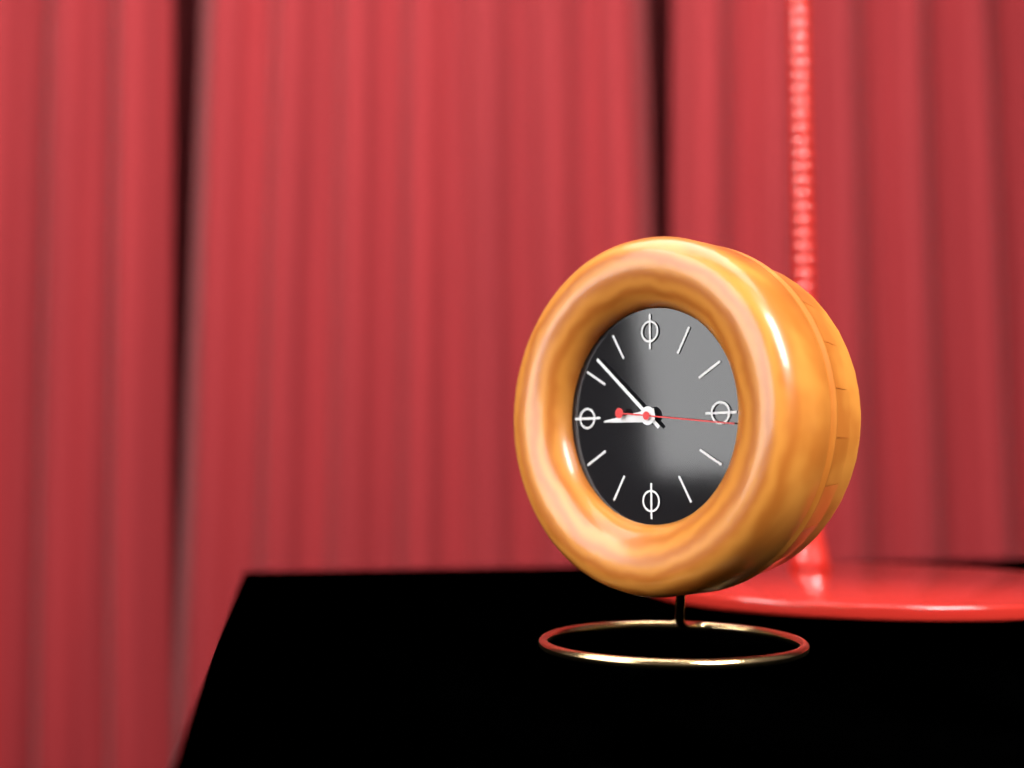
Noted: {"hour": 8, "minute": 52, "second": 16}
